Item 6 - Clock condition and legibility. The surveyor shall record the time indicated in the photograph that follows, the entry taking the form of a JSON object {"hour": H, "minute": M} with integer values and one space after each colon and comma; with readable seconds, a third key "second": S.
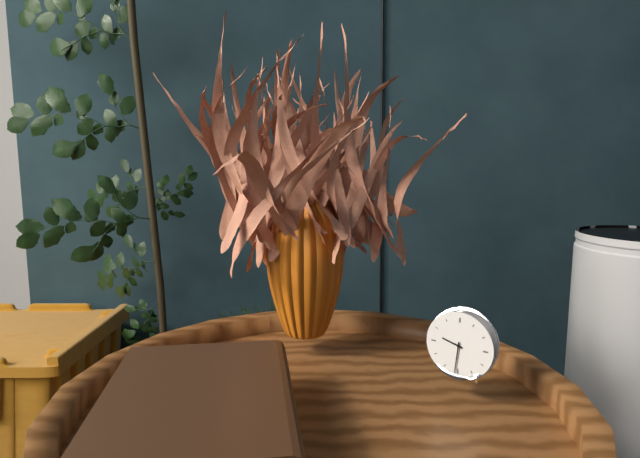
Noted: {"hour": 9, "minute": 31}
